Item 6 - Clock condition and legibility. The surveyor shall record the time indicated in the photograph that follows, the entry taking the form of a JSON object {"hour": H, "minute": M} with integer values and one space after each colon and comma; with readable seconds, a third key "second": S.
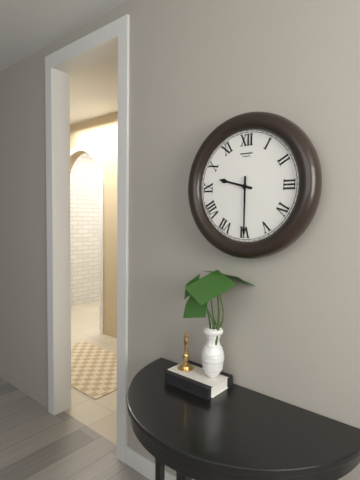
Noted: {"hour": 9, "minute": 30}
